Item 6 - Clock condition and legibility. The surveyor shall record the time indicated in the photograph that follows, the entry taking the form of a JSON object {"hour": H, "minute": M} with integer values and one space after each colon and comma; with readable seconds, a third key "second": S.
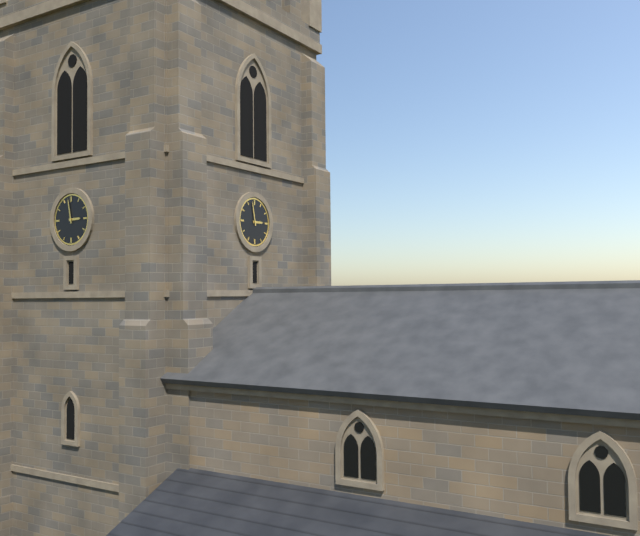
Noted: {"hour": 2, "minute": 58}
